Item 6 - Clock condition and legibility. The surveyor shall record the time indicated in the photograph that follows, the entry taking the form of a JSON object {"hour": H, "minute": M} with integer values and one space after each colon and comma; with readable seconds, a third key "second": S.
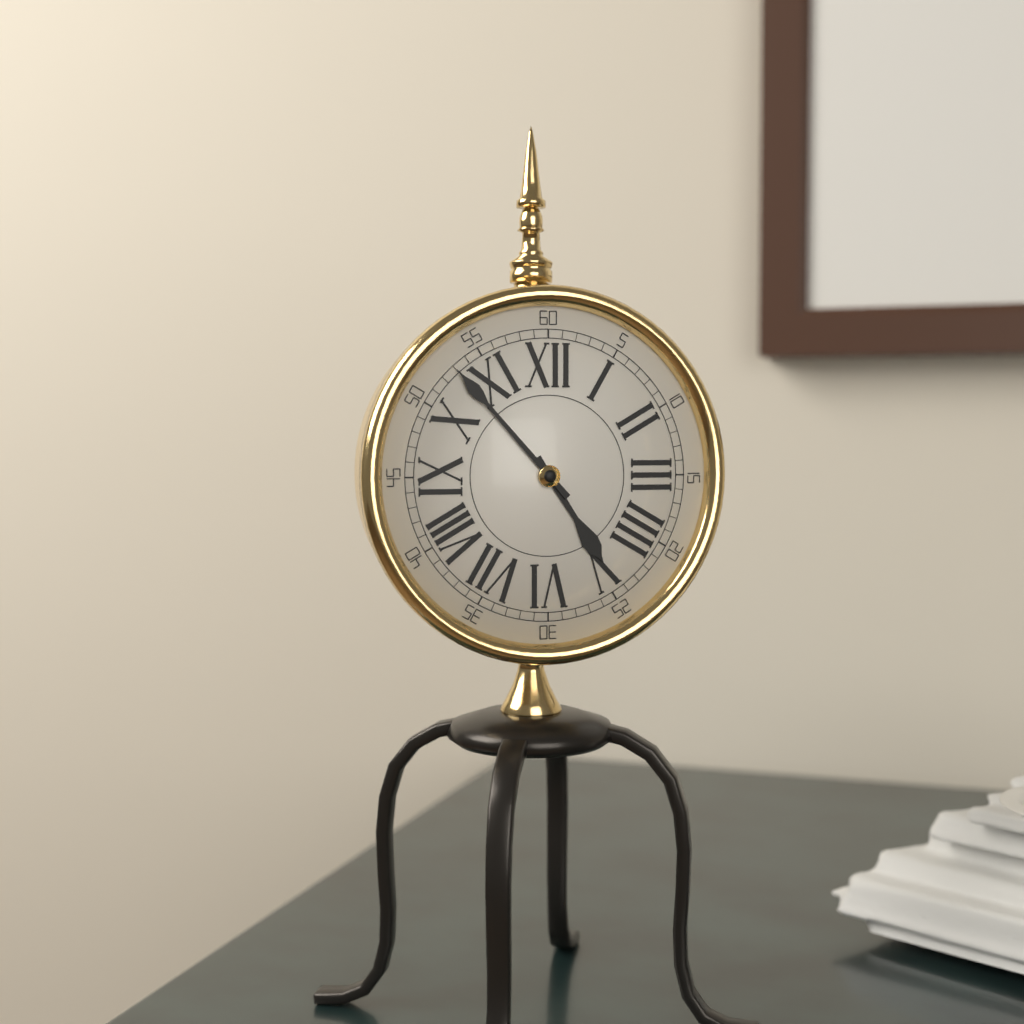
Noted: {"hour": 4, "minute": 53}
